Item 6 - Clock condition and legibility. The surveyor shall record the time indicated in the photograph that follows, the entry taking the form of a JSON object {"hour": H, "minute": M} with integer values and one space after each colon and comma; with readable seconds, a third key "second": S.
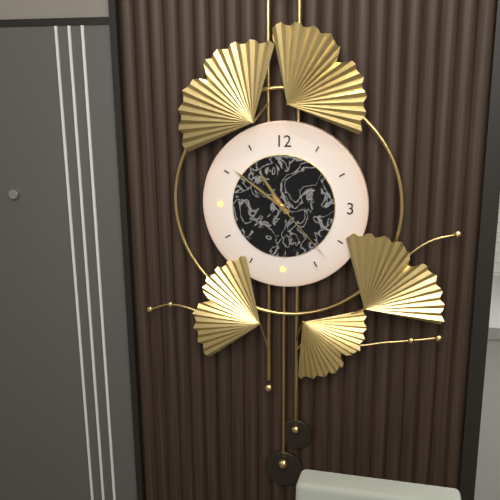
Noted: {"hour": 10, "minute": 51, "second": 23}
